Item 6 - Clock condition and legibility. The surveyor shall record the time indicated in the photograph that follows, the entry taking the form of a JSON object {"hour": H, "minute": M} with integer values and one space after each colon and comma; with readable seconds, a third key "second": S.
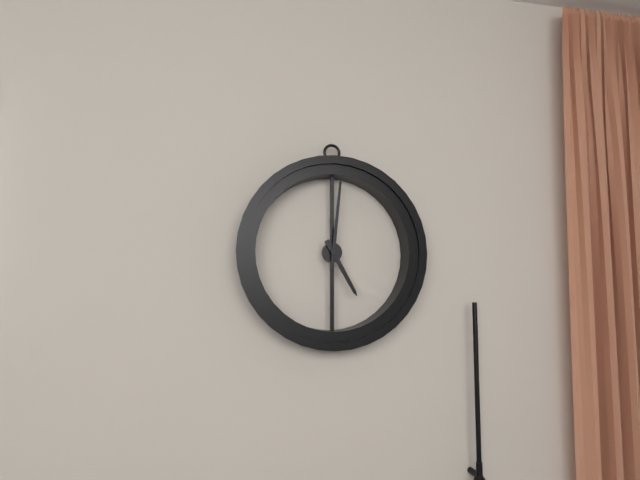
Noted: {"hour": 5, "minute": 1}
